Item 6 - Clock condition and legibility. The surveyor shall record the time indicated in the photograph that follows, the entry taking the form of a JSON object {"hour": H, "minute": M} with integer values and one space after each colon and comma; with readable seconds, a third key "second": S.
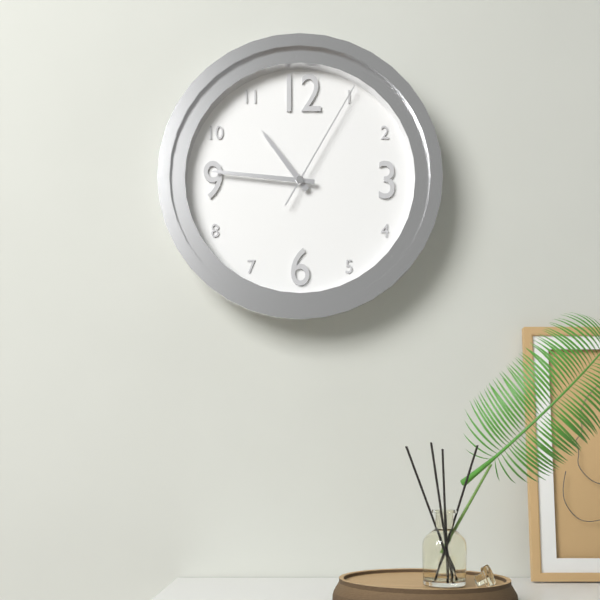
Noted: {"hour": 10, "minute": 46, "second": 5}
